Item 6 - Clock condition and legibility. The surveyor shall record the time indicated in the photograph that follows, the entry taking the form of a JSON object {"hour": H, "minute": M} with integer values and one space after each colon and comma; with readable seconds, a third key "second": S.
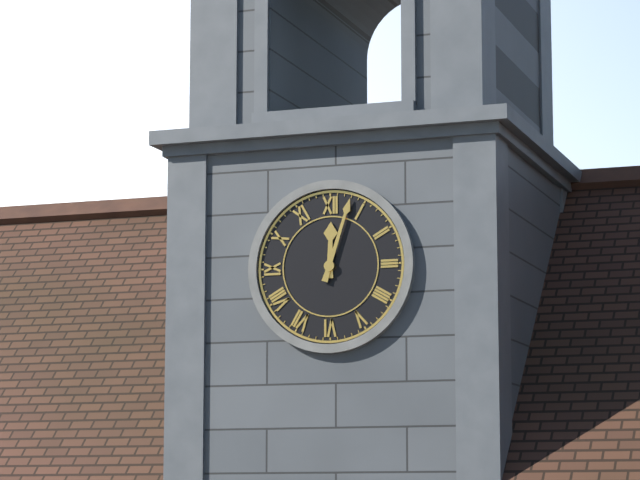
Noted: {"hour": 12, "minute": 3}
